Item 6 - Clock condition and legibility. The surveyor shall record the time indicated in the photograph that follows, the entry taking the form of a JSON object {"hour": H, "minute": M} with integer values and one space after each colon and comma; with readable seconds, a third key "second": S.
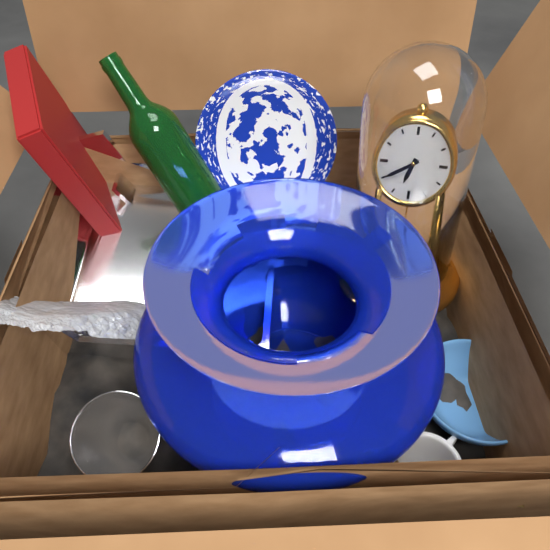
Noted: {"hour": 6, "minute": 40}
